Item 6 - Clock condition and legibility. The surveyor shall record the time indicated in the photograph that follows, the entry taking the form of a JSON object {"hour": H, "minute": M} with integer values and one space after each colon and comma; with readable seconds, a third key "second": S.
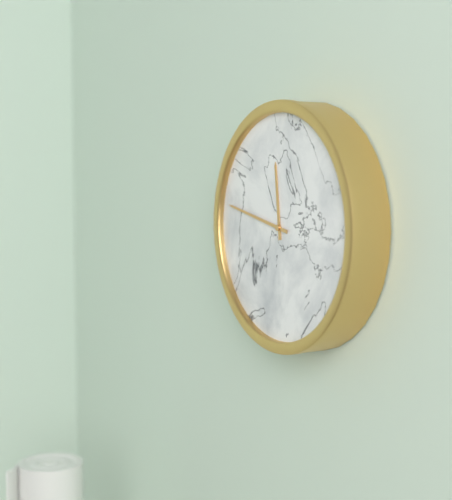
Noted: {"hour": 11, "minute": 47}
